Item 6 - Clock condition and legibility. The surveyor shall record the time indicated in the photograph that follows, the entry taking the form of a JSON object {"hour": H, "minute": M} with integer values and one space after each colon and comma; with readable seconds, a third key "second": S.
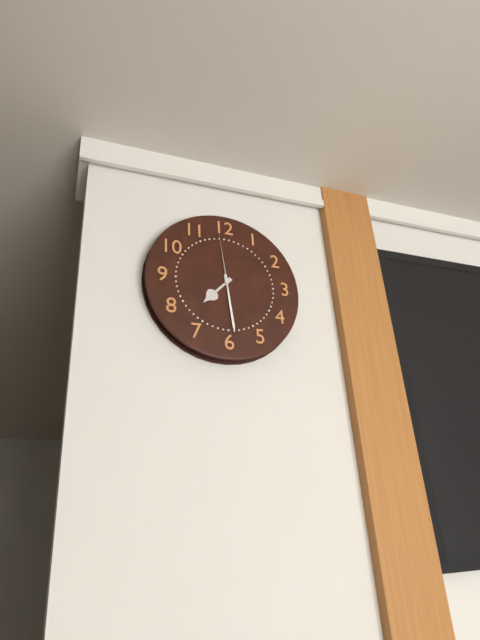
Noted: {"hour": 7, "minute": 29, "second": 59}
